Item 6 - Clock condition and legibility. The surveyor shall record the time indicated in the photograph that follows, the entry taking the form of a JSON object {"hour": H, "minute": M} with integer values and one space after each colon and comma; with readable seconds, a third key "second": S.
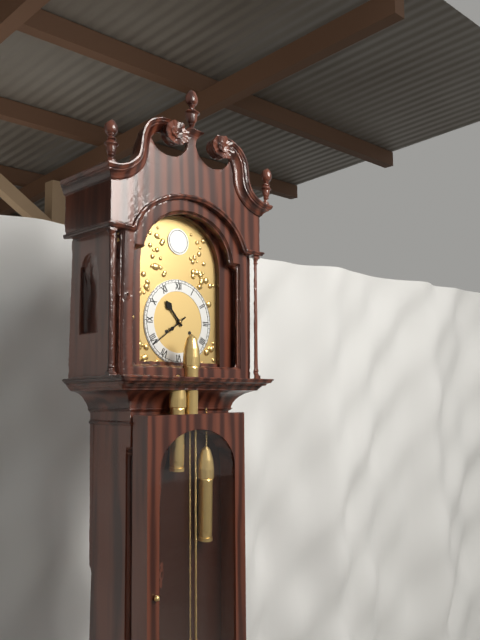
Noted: {"hour": 10, "minute": 39}
